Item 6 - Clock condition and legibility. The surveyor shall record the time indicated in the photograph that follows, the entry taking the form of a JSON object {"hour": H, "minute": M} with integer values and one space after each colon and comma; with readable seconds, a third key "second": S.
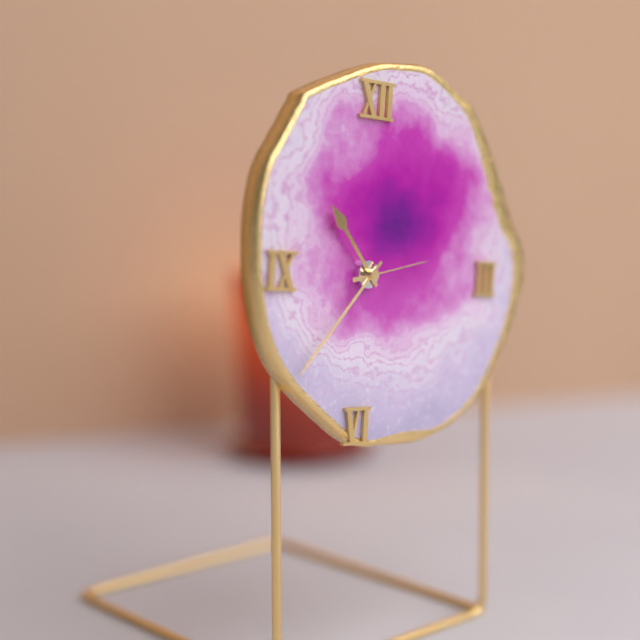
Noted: {"hour": 10, "minute": 37, "second": 13}
